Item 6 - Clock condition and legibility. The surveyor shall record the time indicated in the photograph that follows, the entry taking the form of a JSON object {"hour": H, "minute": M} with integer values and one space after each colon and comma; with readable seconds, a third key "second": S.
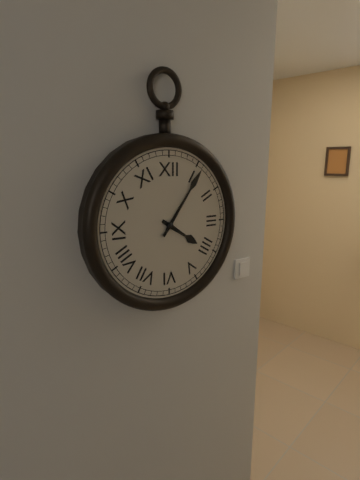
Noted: {"hour": 4, "minute": 6}
